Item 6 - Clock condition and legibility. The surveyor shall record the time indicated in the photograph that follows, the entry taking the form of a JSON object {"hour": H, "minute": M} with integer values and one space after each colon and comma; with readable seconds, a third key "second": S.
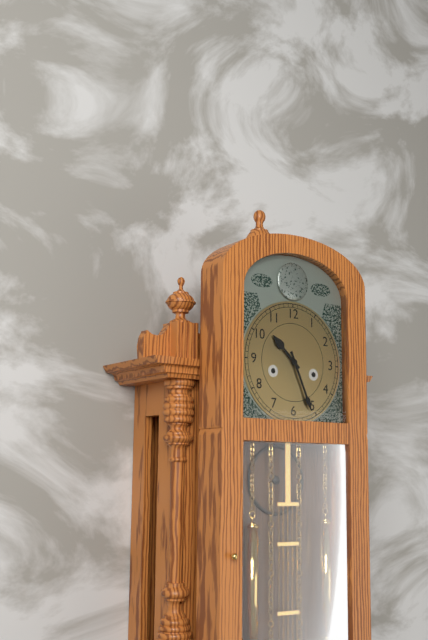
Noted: {"hour": 10, "minute": 26}
